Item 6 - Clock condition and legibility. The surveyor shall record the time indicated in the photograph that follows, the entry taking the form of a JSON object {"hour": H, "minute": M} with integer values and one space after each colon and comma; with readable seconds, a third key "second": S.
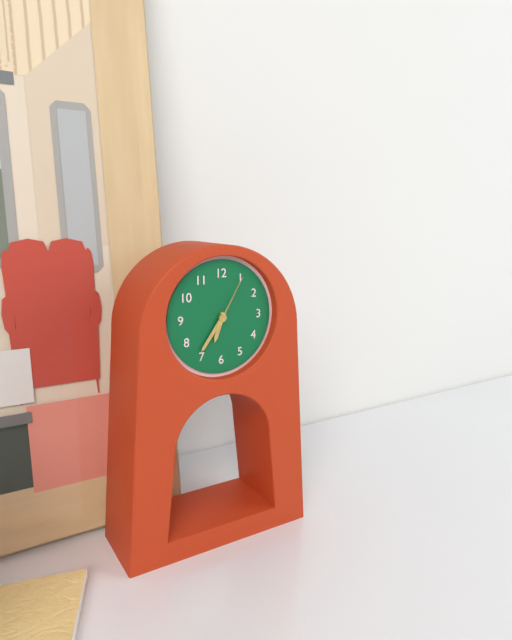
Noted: {"hour": 6, "minute": 36, "second": 5}
